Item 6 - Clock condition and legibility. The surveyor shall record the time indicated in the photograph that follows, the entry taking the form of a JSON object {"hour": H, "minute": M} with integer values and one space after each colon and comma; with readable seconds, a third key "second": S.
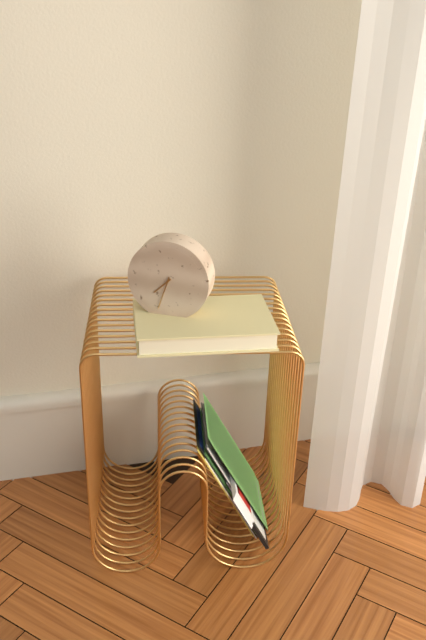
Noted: {"hour": 7, "minute": 33}
